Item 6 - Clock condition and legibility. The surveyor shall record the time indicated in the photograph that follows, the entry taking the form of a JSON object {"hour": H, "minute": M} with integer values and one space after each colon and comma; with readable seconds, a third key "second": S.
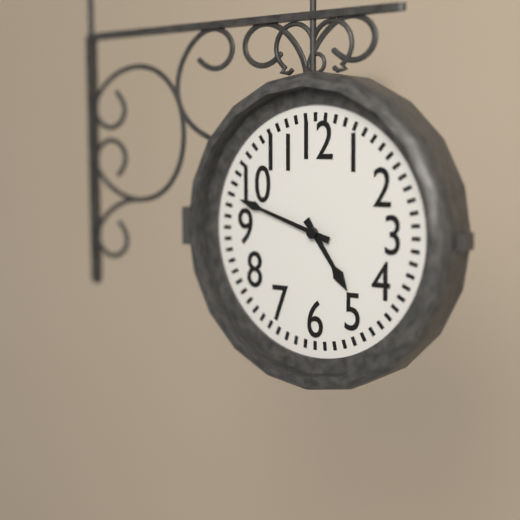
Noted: {"hour": 4, "minute": 48}
